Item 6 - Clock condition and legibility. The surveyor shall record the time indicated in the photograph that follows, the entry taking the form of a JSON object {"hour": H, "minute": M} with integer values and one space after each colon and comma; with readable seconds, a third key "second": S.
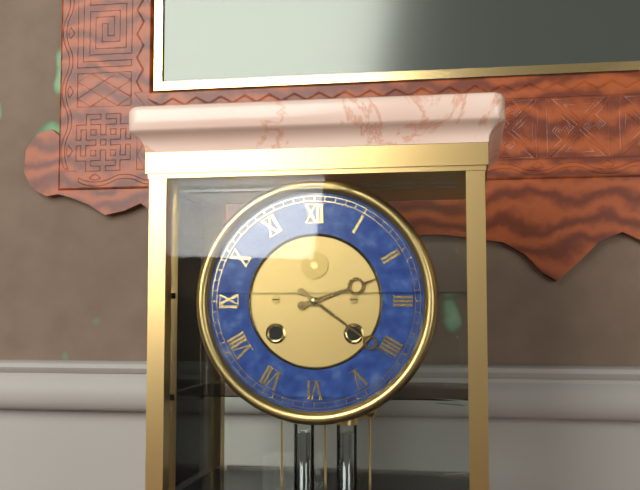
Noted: {"hour": 2, "minute": 21}
